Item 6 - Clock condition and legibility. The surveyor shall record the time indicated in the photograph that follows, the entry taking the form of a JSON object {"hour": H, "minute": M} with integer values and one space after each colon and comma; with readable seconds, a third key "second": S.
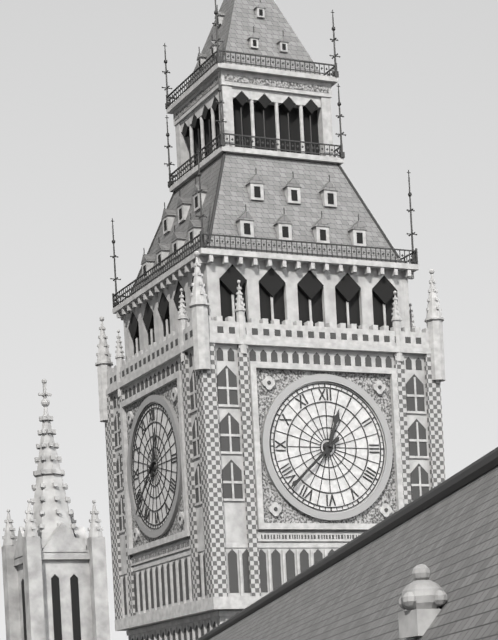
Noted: {"hour": 12, "minute": 38}
